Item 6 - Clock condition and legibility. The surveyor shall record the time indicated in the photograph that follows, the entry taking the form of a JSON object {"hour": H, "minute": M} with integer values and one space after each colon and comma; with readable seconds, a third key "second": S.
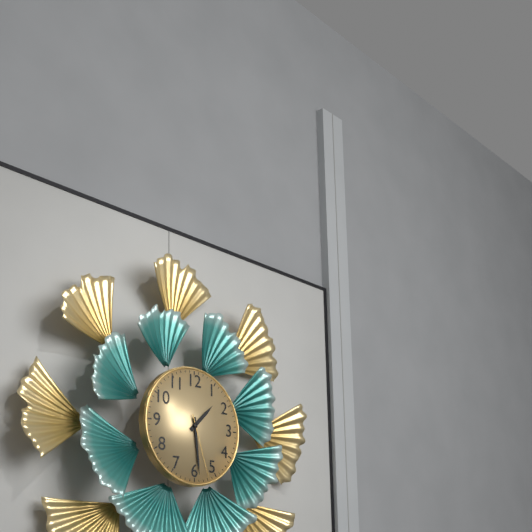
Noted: {"hour": 1, "minute": 29, "second": 27}
